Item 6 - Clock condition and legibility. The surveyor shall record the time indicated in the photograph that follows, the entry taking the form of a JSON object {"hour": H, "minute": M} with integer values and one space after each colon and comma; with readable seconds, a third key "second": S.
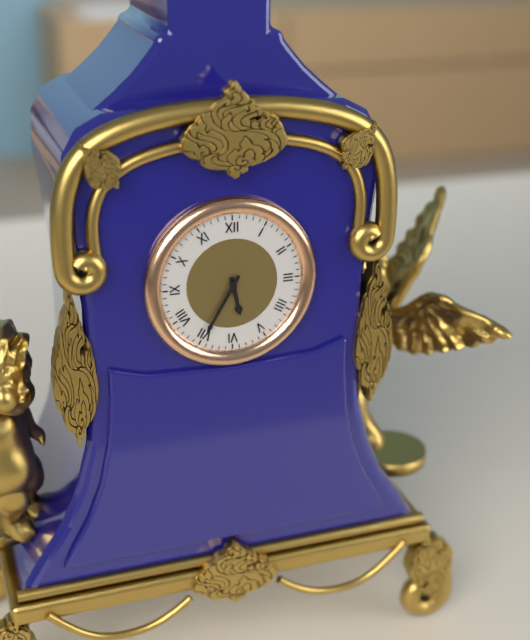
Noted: {"hour": 5, "minute": 35}
